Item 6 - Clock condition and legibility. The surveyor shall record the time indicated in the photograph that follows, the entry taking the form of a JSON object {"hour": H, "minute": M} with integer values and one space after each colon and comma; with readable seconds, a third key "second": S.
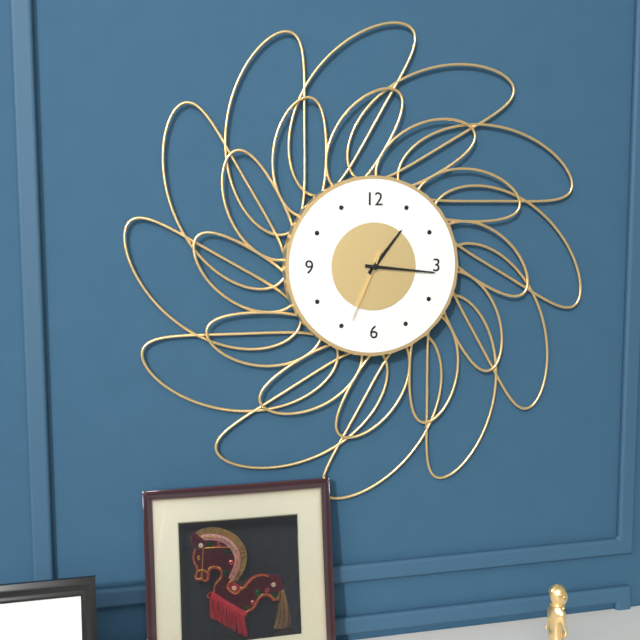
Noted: {"hour": 1, "minute": 16, "second": 34}
